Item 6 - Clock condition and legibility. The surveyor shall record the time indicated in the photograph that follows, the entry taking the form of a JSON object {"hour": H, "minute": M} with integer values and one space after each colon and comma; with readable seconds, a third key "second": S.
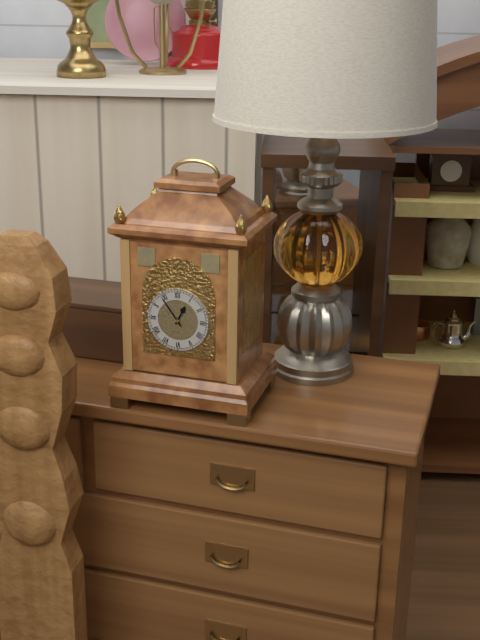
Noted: {"hour": 12, "minute": 54}
